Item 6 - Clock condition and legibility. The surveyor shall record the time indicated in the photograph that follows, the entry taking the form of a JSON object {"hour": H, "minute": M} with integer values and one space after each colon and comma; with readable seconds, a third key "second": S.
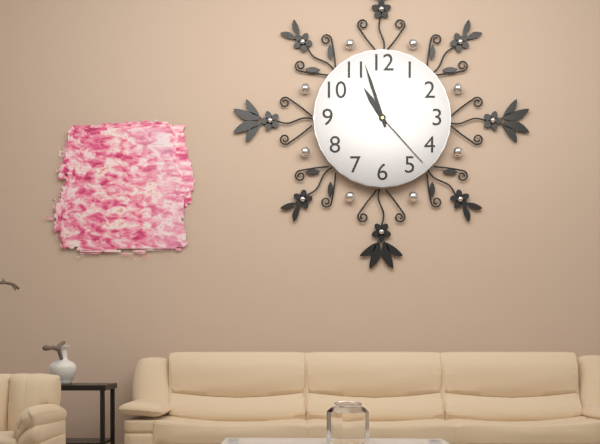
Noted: {"hour": 10, "minute": 57, "second": 23}
